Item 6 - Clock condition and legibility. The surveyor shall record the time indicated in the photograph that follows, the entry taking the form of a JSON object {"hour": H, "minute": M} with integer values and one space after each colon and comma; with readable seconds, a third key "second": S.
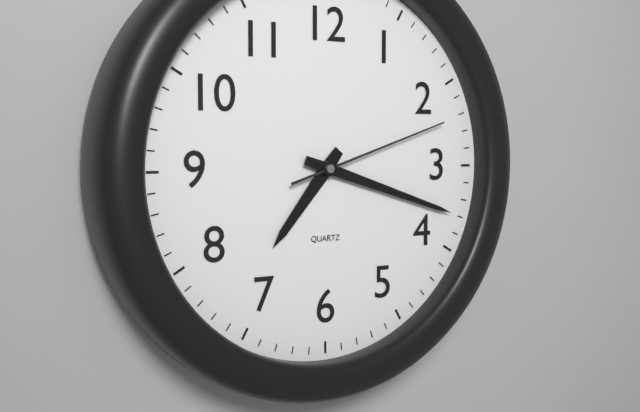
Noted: {"hour": 7, "minute": 18, "second": 12}
